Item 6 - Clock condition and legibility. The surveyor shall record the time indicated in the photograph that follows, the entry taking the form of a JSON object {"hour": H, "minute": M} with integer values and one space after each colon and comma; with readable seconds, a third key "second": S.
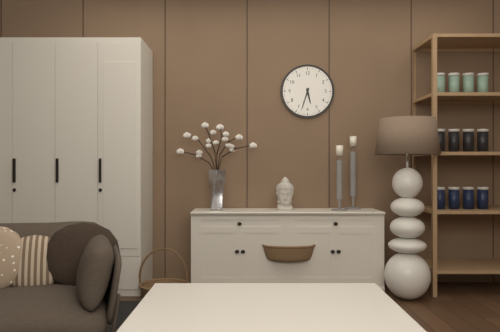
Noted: {"hour": 5, "minute": 33}
